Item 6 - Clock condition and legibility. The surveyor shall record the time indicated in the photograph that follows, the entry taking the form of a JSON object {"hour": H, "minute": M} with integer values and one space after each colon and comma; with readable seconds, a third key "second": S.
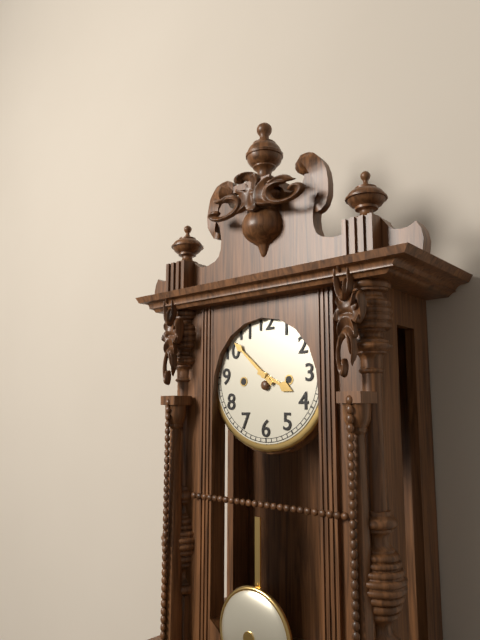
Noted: {"hour": 3, "minute": 52}
